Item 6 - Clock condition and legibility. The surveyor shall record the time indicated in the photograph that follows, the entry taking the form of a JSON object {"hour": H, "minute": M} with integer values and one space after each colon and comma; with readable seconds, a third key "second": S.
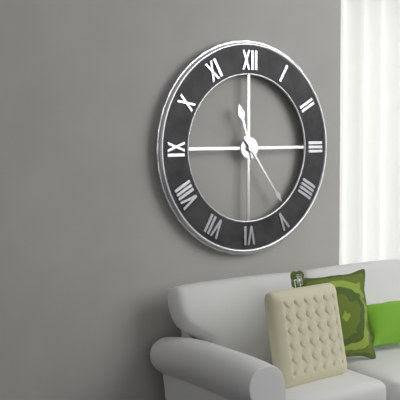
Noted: {"hour": 11, "minute": 24}
